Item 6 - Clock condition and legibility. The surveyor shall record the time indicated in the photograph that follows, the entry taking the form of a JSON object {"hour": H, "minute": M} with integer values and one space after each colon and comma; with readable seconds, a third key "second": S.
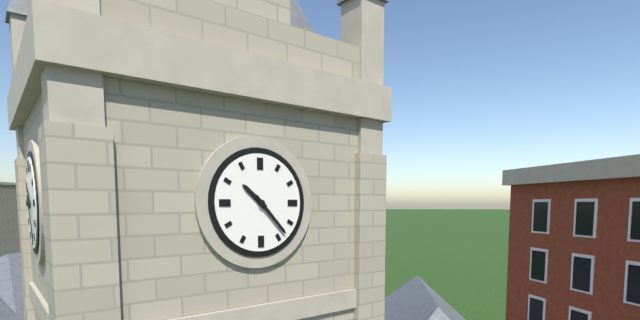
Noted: {"hour": 10, "minute": 23}
